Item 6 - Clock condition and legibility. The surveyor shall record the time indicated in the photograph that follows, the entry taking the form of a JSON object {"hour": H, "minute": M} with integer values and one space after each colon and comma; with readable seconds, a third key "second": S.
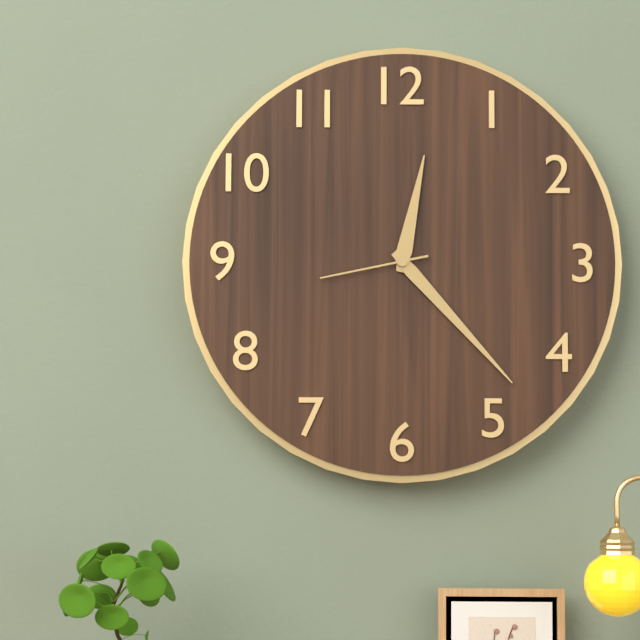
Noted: {"hour": 12, "minute": 23, "second": 43}
